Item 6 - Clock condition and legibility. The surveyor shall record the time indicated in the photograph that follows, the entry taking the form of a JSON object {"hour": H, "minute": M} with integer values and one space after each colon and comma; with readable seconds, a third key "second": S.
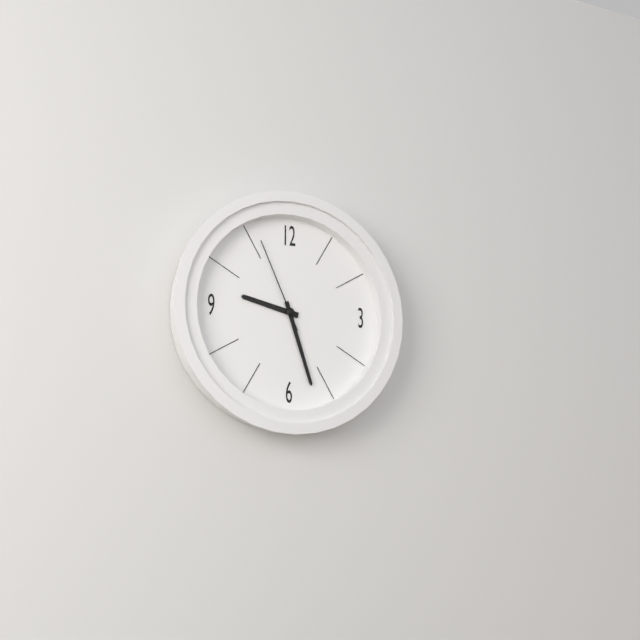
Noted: {"hour": 9, "minute": 27, "second": 56}
